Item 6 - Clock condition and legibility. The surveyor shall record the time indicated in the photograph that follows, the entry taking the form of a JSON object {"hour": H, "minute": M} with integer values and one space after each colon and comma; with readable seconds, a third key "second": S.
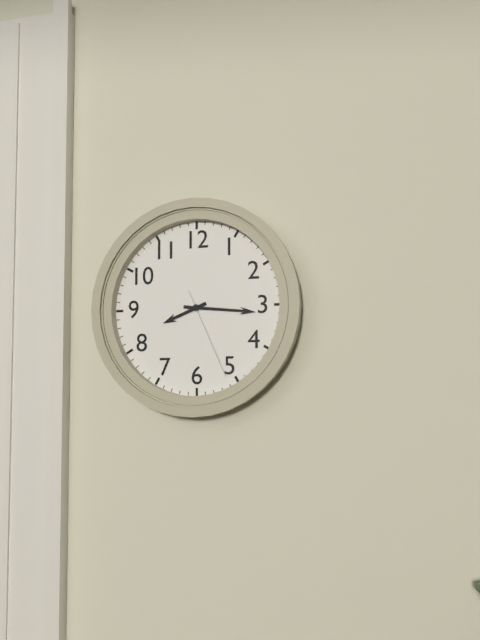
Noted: {"hour": 8, "minute": 16, "second": 26}
